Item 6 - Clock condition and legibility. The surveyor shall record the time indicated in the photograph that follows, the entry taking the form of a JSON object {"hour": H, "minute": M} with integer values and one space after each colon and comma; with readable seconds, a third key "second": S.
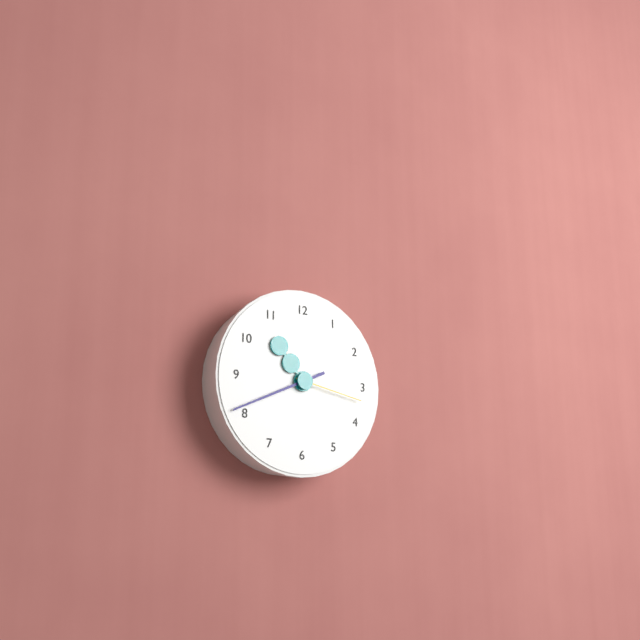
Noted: {"hour": 10, "minute": 41, "second": 17}
